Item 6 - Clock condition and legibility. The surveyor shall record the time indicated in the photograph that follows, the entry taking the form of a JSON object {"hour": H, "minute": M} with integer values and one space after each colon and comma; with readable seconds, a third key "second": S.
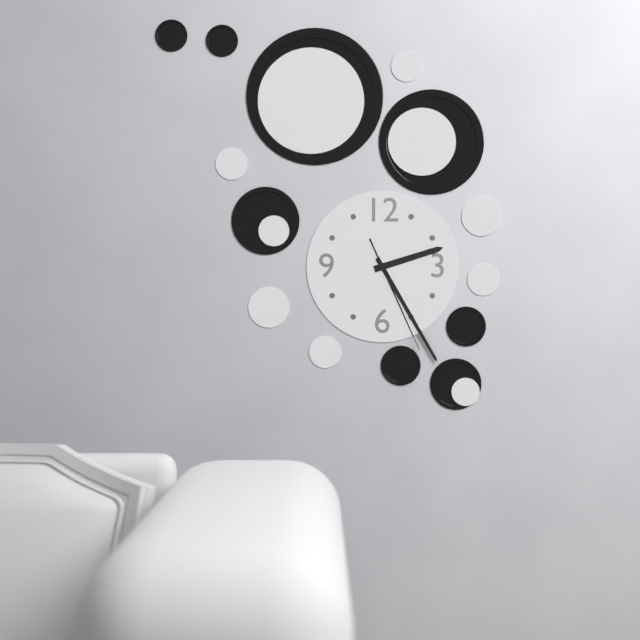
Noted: {"hour": 2, "minute": 25, "second": 26}
